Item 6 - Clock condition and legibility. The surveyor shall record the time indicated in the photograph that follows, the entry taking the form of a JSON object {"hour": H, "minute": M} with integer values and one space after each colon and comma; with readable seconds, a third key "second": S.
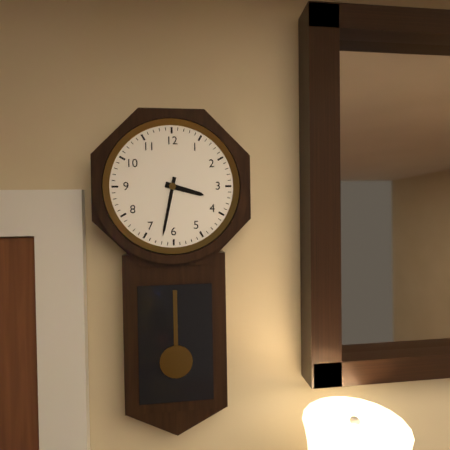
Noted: {"hour": 3, "minute": 32}
